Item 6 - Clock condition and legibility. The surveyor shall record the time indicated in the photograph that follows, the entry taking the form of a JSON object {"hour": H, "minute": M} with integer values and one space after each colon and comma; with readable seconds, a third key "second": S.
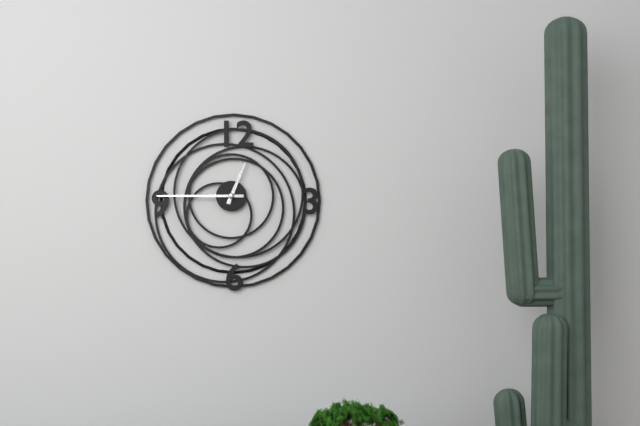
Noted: {"hour": 12, "minute": 45}
